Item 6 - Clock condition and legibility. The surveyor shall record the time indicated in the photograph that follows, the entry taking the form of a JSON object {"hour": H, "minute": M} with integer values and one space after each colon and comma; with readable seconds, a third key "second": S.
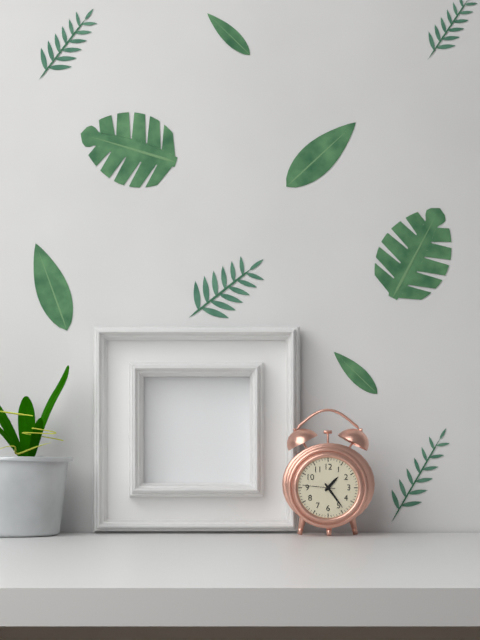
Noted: {"hour": 1, "minute": 24}
